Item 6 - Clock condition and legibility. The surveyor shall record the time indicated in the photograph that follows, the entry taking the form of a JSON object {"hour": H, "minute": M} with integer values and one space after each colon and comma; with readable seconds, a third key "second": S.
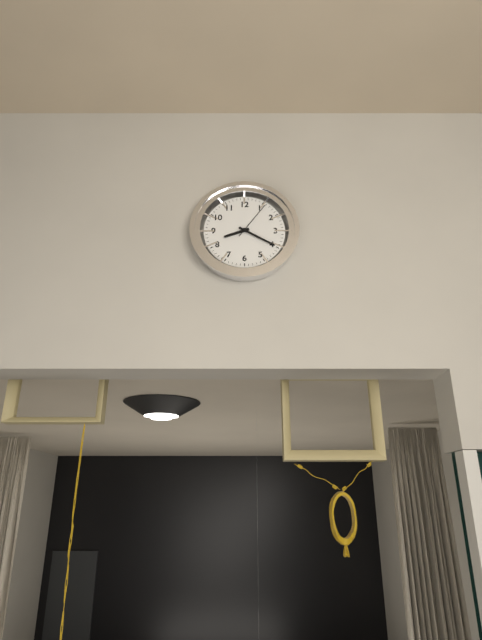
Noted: {"hour": 8, "minute": 20}
